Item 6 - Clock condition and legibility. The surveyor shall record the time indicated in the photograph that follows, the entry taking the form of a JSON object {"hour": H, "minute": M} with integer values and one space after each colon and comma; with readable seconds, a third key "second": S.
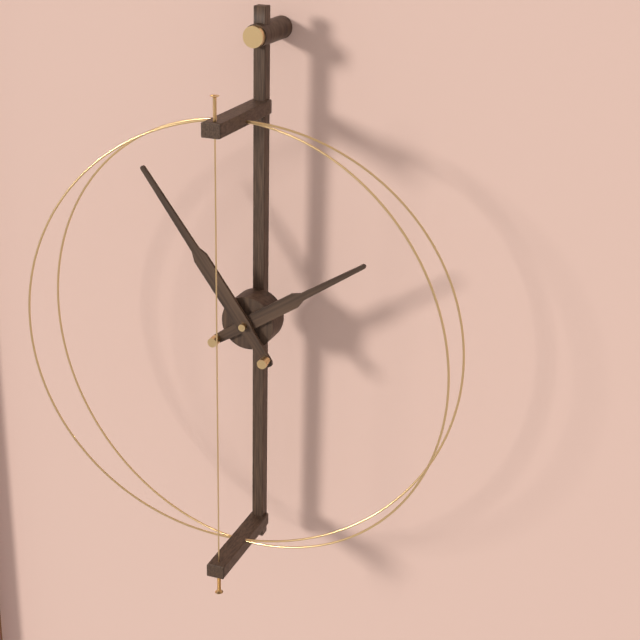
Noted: {"hour": 1, "minute": 54}
